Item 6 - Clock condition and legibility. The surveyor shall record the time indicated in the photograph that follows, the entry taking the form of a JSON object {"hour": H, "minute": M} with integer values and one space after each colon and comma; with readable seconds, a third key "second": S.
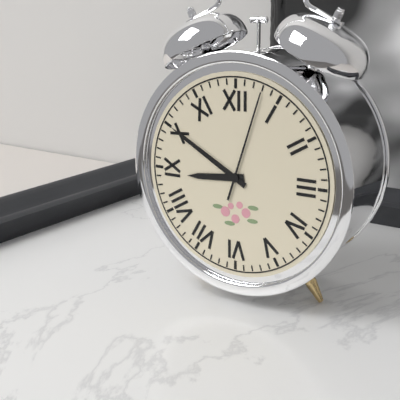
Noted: {"hour": 8, "minute": 50, "second": 3}
